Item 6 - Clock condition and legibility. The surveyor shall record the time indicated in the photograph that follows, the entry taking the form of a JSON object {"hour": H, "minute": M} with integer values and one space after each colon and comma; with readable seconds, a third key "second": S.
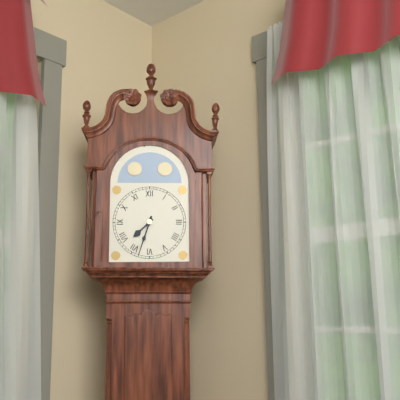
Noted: {"hour": 7, "minute": 33}
